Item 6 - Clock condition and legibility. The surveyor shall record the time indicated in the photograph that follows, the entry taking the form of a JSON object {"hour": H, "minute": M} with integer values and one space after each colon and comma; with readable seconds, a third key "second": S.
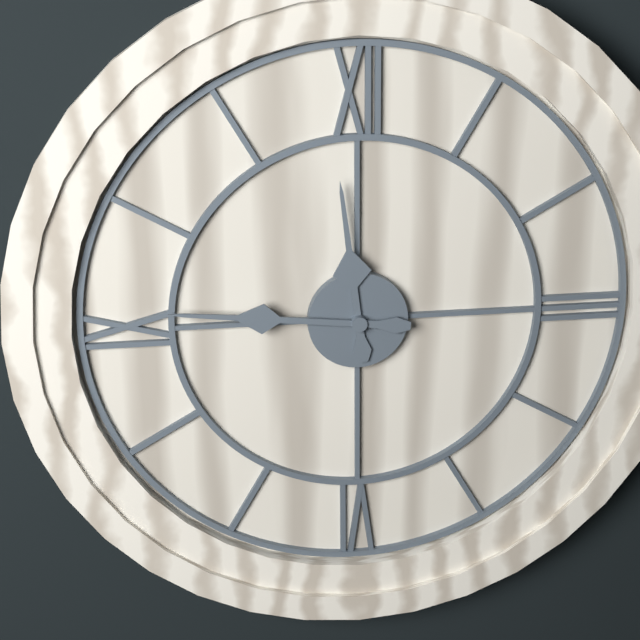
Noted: {"hour": 11, "minute": 46}
